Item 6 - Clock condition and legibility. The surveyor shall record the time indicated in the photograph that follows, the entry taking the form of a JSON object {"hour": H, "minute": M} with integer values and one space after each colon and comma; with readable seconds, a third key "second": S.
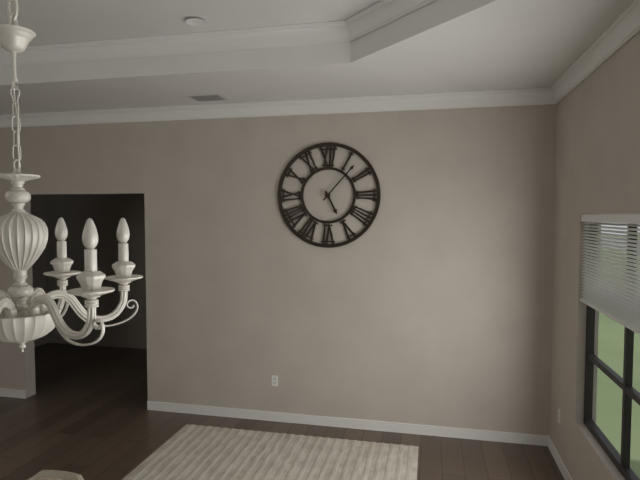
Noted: {"hour": 5, "minute": 7}
